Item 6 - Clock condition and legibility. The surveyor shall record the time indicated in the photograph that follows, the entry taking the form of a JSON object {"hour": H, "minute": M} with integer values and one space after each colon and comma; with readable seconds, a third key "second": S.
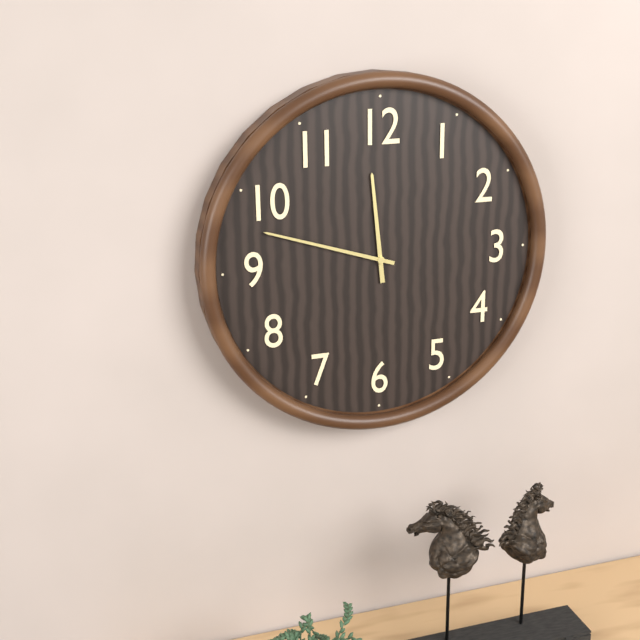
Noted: {"hour": 11, "minute": 48}
